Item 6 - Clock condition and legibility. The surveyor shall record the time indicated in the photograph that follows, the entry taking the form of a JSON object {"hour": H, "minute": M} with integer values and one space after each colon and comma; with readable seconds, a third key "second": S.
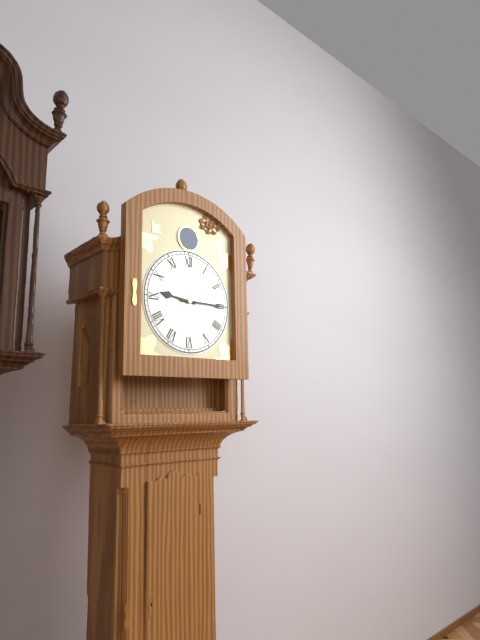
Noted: {"hour": 9, "minute": 15}
